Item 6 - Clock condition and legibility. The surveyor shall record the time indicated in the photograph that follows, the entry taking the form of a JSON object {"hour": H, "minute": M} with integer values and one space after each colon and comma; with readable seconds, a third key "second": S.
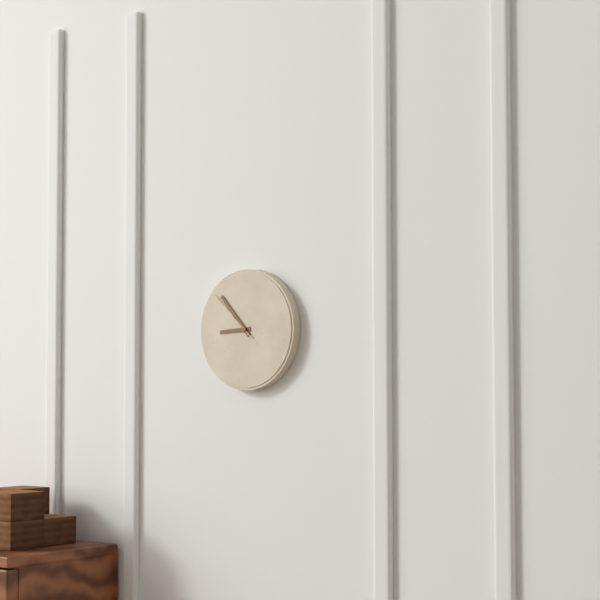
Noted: {"hour": 8, "minute": 53, "second": 52}
